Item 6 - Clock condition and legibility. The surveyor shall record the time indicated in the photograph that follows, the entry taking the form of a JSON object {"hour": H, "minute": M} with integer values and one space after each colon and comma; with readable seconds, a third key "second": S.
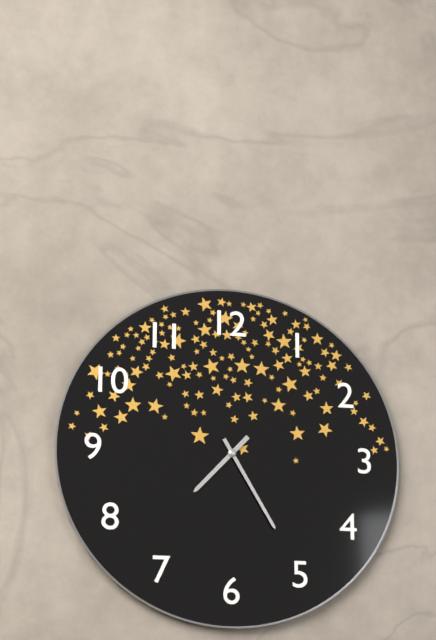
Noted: {"hour": 7, "minute": 25}
